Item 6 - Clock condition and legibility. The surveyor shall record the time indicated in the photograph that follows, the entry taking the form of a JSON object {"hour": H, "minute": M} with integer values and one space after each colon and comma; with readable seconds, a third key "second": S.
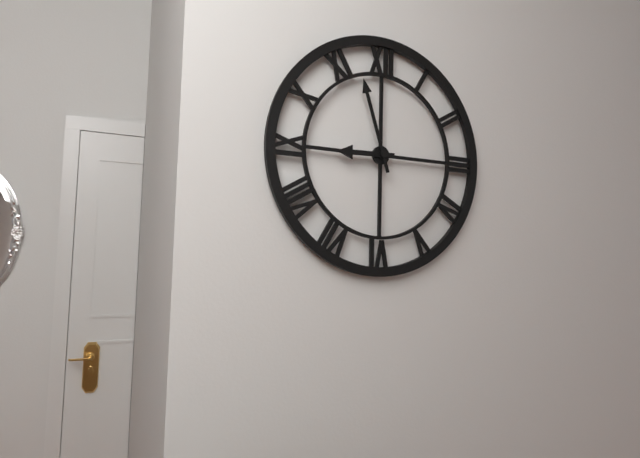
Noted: {"hour": 8, "minute": 57}
